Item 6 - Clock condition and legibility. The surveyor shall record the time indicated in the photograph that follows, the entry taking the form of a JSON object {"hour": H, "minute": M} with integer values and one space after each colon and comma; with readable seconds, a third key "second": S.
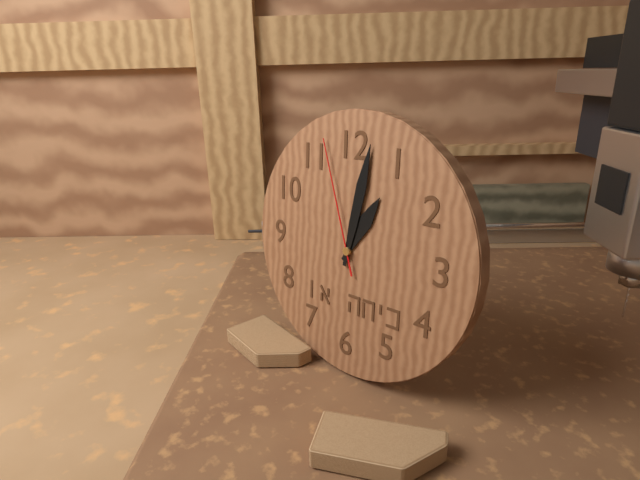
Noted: {"hour": 1, "minute": 2, "second": 57}
